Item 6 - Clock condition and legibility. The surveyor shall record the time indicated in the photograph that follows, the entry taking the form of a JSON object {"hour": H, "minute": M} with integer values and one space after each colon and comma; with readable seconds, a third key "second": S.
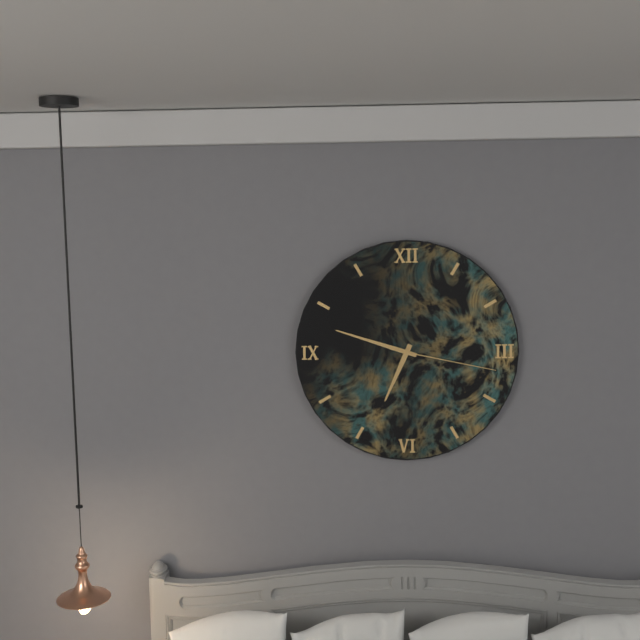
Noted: {"hour": 6, "minute": 48, "second": 17}
